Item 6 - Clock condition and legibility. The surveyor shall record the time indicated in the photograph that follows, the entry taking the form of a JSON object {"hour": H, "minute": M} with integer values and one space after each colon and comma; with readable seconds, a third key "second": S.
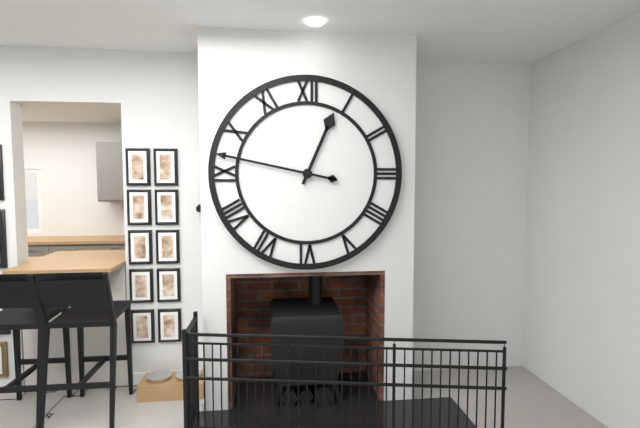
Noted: {"hour": 12, "minute": 47}
